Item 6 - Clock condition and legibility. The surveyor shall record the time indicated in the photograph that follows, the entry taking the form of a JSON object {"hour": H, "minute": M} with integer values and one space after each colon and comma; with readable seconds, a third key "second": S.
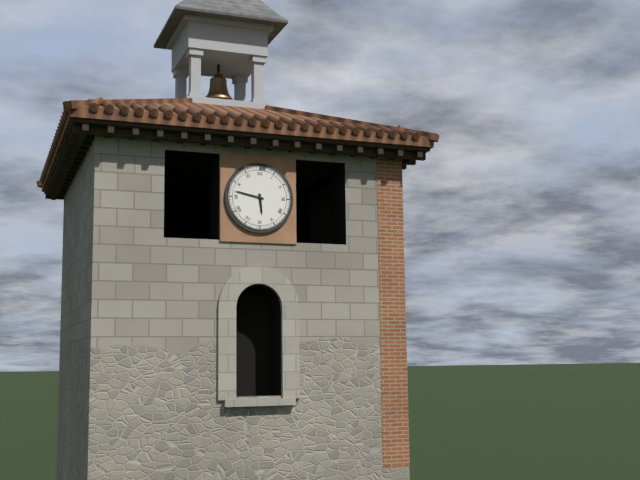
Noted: {"hour": 5, "minute": 47}
